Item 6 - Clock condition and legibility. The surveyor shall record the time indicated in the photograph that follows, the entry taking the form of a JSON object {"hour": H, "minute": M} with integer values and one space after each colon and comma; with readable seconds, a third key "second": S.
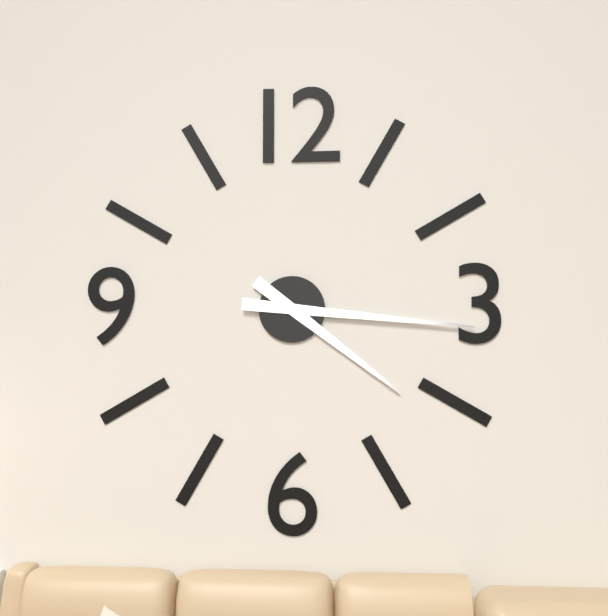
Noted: {"hour": 4, "minute": 16}
